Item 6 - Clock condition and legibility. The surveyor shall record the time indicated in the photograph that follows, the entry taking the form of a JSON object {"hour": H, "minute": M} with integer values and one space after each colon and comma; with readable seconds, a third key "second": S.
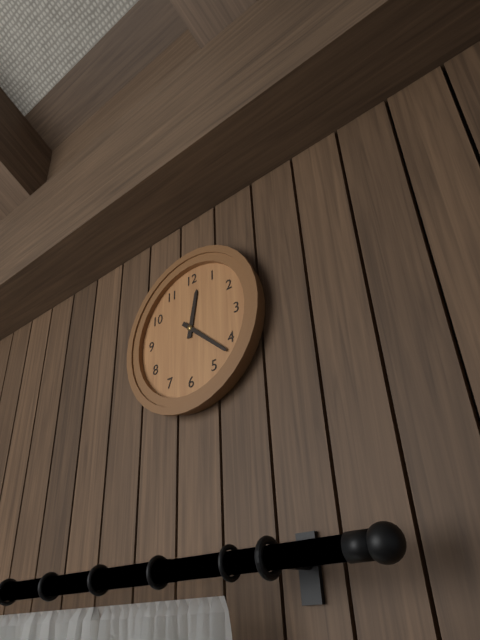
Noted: {"hour": 12, "minute": 22}
